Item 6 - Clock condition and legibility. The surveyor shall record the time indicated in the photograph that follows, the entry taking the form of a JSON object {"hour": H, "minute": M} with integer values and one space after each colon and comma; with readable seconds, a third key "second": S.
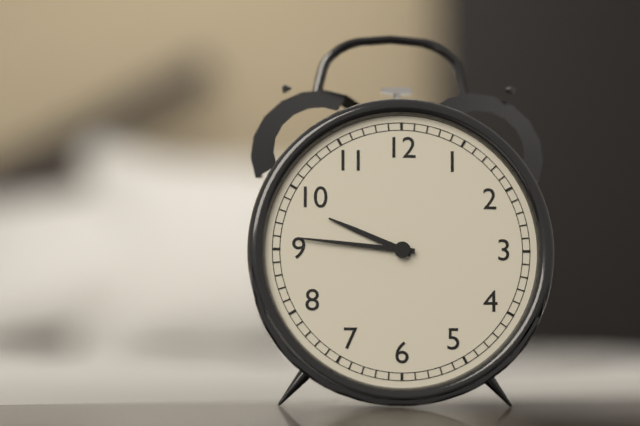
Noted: {"hour": 9, "minute": 46}
